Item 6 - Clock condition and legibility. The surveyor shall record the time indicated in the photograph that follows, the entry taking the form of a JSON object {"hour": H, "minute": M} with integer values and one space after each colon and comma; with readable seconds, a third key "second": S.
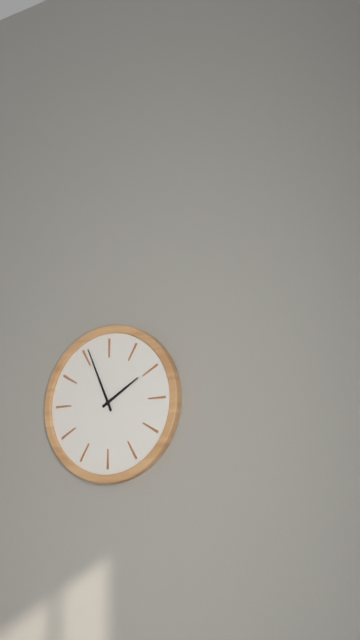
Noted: {"hour": 1, "minute": 56}
